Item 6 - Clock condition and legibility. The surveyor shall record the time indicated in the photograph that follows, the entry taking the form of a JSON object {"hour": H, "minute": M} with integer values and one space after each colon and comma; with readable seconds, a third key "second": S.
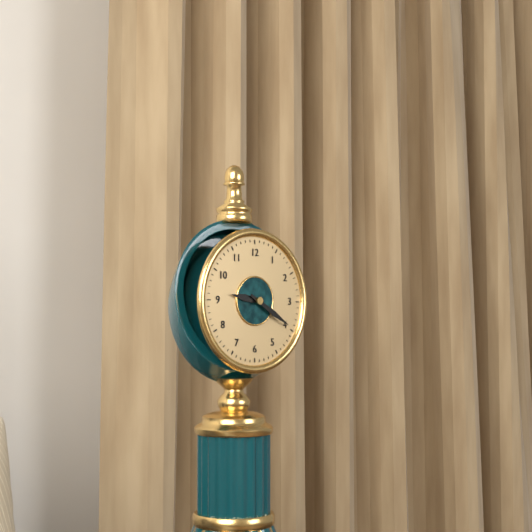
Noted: {"hour": 9, "minute": 20}
